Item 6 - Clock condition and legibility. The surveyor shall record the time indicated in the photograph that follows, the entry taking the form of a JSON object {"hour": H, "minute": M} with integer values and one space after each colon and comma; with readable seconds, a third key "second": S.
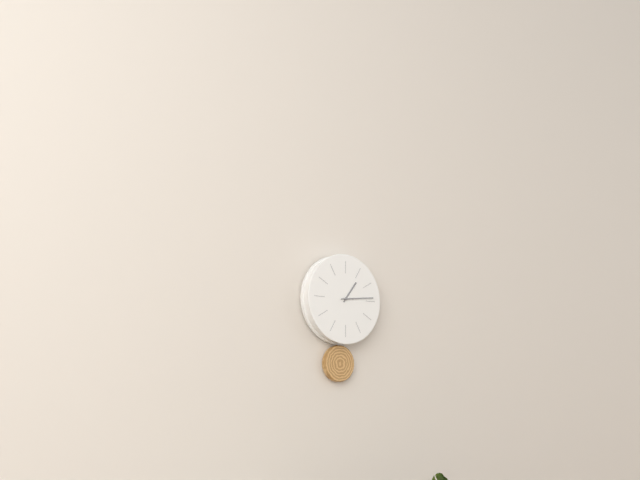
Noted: {"hour": 1, "minute": 14}
